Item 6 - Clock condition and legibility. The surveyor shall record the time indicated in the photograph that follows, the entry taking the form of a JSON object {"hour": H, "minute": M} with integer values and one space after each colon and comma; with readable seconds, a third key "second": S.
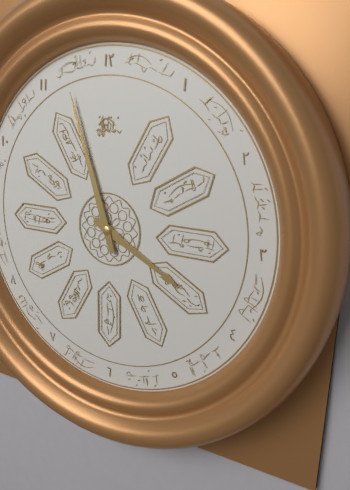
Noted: {"hour": 3, "minute": 57}
